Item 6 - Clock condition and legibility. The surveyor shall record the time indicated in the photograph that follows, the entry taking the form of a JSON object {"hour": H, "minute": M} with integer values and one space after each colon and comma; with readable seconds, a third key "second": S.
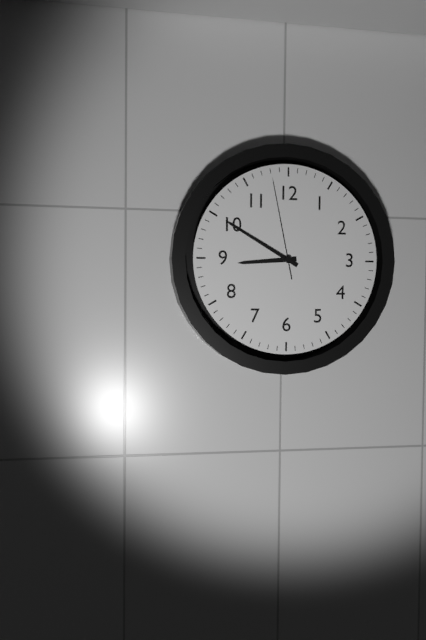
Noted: {"hour": 8, "minute": 50, "second": 58}
